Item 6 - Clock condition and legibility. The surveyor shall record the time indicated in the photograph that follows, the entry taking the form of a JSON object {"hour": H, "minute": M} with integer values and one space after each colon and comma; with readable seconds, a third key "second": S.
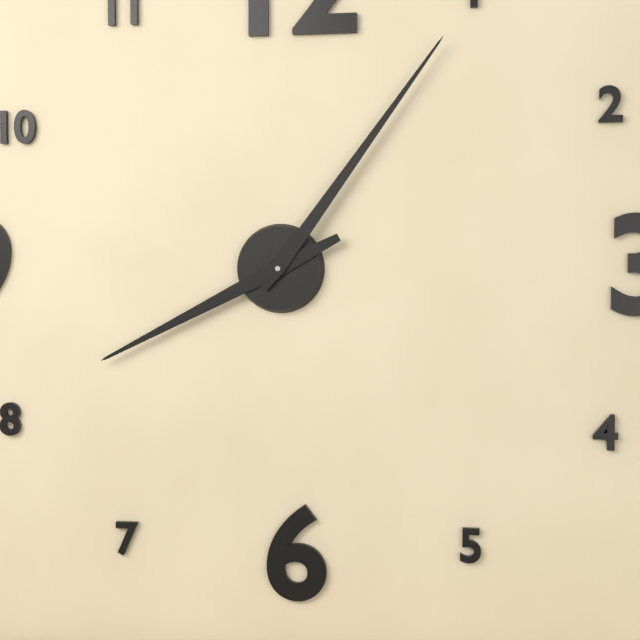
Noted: {"hour": 8, "minute": 6}
